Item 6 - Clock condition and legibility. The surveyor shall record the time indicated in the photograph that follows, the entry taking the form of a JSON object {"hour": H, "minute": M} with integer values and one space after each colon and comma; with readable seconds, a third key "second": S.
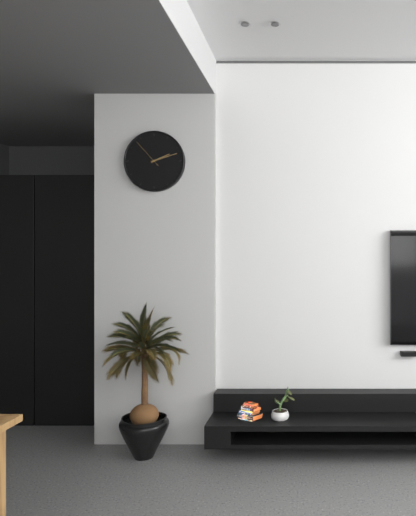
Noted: {"hour": 2, "minute": 12}
